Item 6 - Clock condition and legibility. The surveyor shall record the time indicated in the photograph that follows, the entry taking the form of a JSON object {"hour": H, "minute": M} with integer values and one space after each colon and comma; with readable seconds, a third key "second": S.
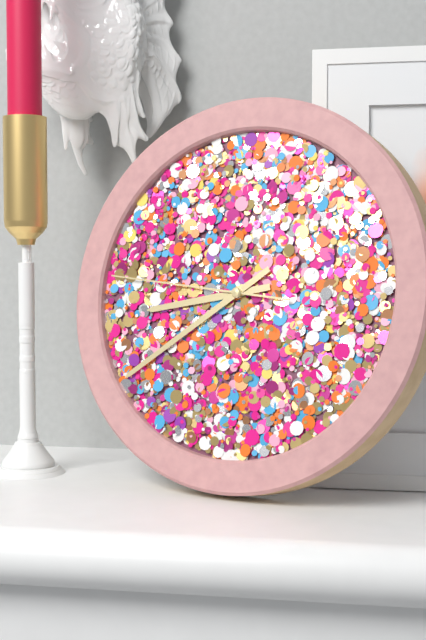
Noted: {"hour": 8, "minute": 39, "second": 46}
